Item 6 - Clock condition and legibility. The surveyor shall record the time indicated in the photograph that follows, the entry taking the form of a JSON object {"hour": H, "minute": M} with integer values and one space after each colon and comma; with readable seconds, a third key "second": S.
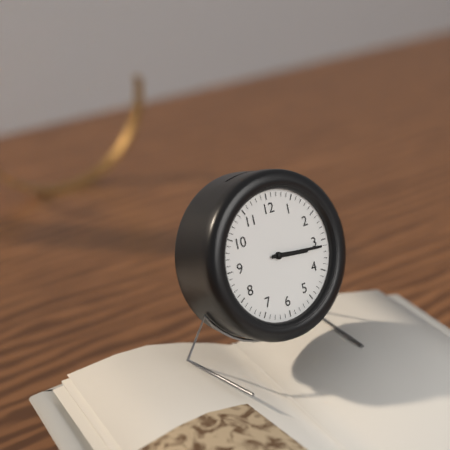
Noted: {"hour": 3, "minute": 16}
